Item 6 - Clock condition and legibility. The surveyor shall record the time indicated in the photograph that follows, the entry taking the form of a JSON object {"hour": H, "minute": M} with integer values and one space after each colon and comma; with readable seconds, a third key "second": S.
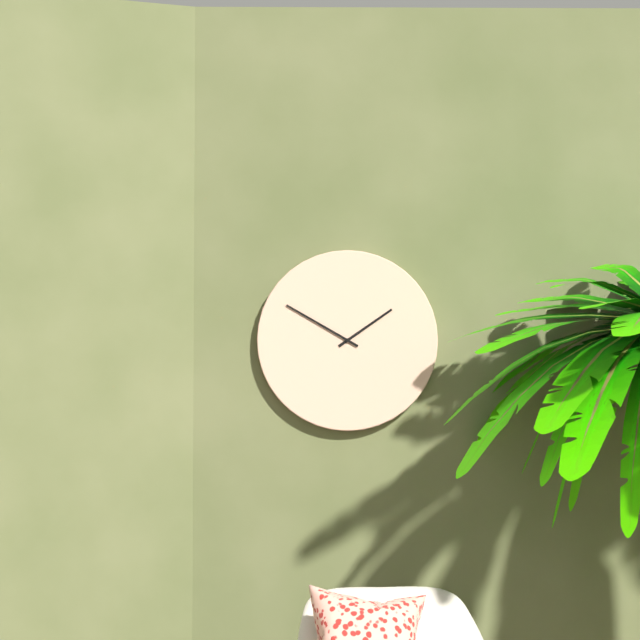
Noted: {"hour": 1, "minute": 50}
